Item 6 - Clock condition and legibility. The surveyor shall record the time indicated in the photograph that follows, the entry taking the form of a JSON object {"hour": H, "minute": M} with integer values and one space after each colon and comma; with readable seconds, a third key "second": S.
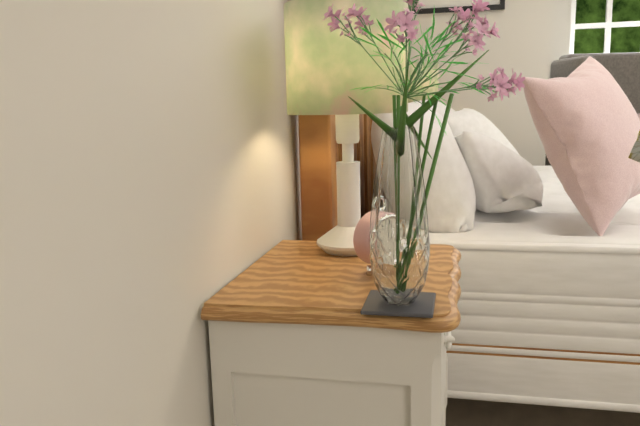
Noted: {"hour": 3, "minute": 1}
